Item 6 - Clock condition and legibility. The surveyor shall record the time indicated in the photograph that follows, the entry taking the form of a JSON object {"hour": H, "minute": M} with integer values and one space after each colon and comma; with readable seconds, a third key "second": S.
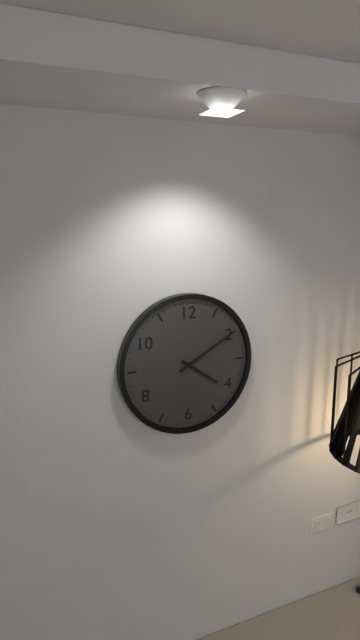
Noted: {"hour": 4, "minute": 10}
